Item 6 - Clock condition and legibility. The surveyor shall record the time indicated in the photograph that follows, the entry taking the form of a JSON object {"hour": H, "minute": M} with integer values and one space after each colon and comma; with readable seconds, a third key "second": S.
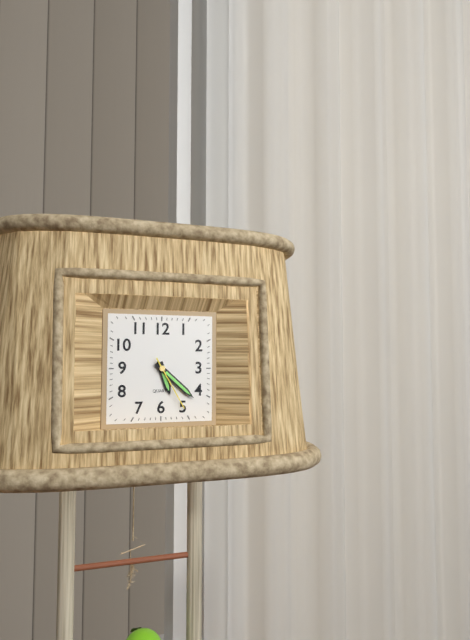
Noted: {"hour": 5, "minute": 22, "second": 25}
